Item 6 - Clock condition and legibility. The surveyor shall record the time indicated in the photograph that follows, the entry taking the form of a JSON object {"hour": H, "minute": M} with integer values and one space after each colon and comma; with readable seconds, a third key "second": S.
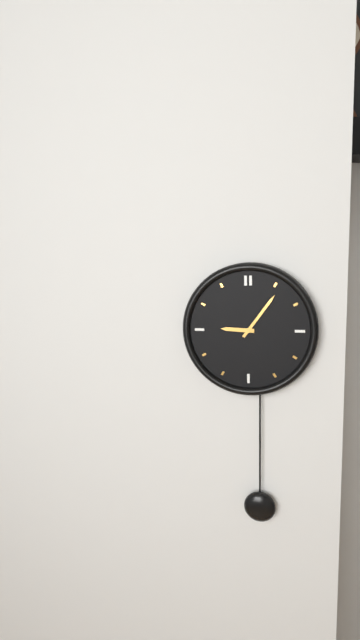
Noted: {"hour": 9, "minute": 6}
